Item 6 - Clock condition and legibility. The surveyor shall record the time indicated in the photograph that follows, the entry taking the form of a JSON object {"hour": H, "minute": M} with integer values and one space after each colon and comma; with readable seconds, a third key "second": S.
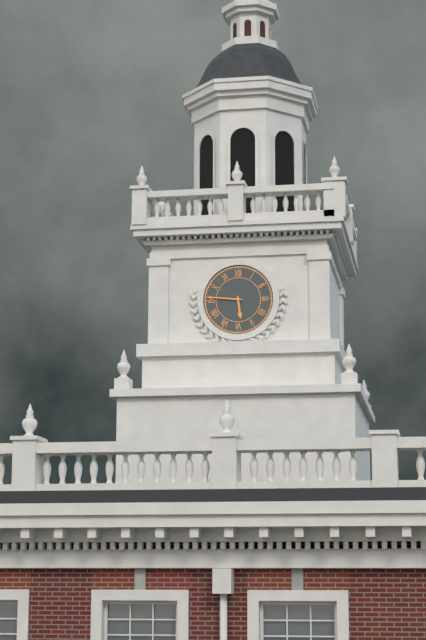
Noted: {"hour": 5, "minute": 46}
